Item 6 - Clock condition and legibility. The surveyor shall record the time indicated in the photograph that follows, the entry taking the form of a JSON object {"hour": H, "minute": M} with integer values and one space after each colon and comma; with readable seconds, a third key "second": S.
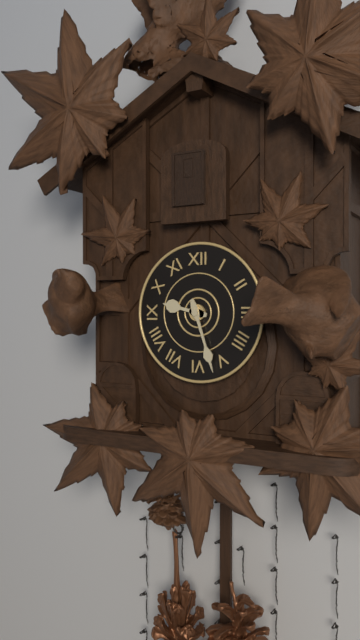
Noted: {"hour": 9, "minute": 27}
